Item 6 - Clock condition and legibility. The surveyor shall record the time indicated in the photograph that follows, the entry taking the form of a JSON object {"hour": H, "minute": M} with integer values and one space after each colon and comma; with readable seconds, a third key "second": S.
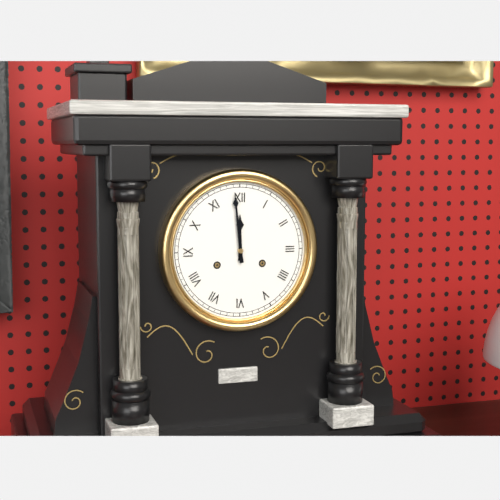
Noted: {"hour": 11, "minute": 59}
